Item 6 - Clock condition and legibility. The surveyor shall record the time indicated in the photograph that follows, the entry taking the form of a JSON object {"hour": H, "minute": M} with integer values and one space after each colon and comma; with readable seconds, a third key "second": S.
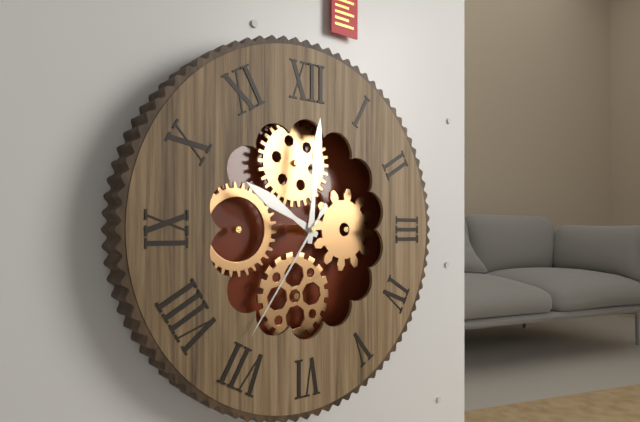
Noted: {"hour": 10, "minute": 1, "second": 36}
